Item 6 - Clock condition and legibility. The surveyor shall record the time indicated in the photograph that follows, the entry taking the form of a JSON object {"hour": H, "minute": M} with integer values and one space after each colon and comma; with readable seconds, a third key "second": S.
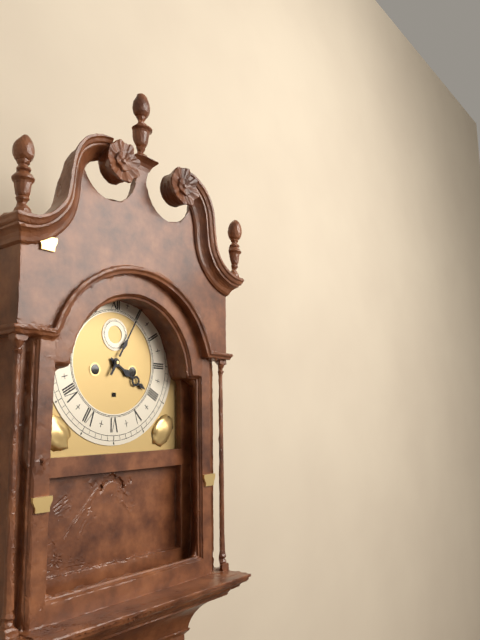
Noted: {"hour": 4, "minute": 5}
